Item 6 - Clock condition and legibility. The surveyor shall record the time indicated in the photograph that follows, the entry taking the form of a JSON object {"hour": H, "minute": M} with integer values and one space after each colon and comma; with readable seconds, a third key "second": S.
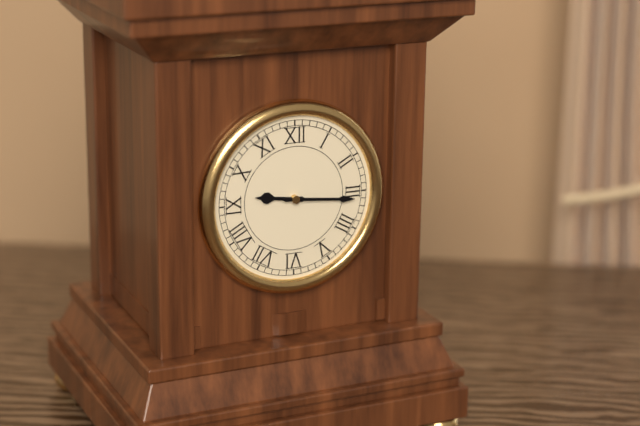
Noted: {"hour": 9, "minute": 16}
